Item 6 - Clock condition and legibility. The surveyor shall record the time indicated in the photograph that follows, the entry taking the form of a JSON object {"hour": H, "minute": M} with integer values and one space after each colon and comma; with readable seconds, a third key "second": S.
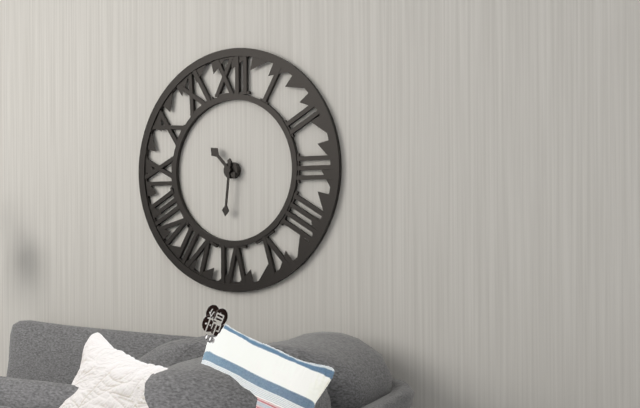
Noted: {"hour": 10, "minute": 31}
